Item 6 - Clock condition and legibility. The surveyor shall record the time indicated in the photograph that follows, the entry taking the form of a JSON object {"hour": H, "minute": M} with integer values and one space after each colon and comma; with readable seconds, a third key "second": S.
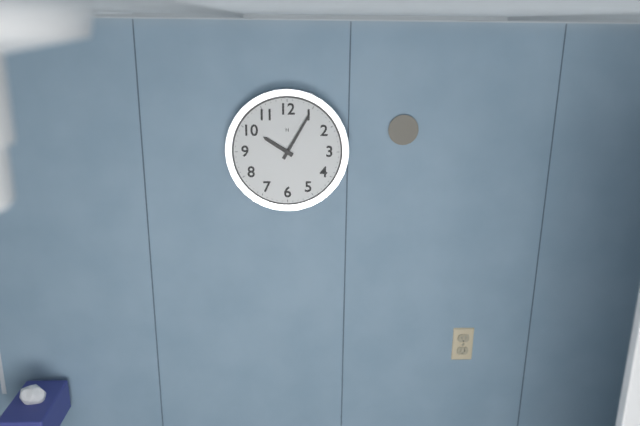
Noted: {"hour": 10, "minute": 5}
